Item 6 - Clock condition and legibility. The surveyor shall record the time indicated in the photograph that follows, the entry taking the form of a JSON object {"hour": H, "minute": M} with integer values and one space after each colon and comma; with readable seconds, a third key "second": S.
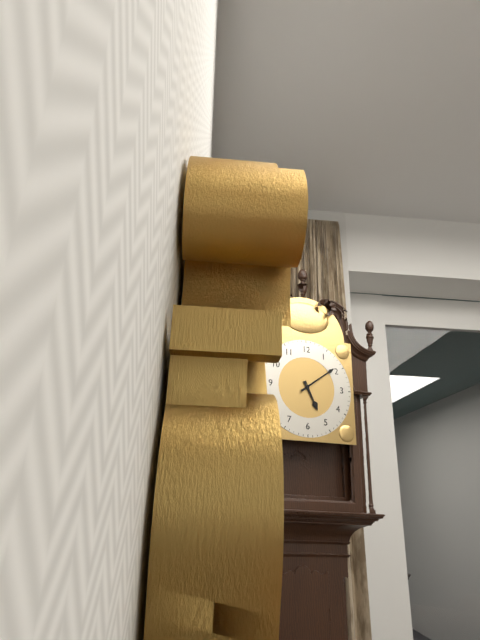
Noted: {"hour": 5, "minute": 9}
